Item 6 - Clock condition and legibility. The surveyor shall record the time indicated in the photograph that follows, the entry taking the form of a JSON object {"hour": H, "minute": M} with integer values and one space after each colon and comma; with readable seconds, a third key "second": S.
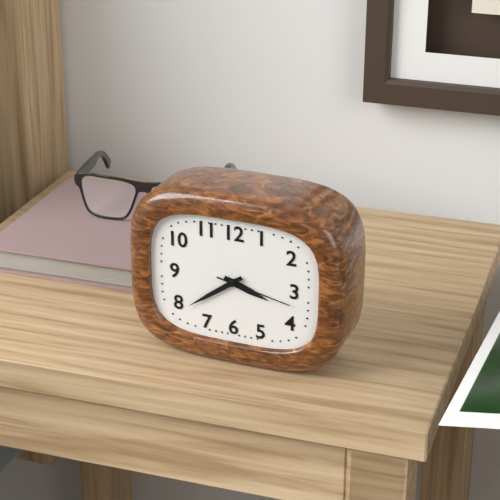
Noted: {"hour": 3, "minute": 39, "second": 17}
